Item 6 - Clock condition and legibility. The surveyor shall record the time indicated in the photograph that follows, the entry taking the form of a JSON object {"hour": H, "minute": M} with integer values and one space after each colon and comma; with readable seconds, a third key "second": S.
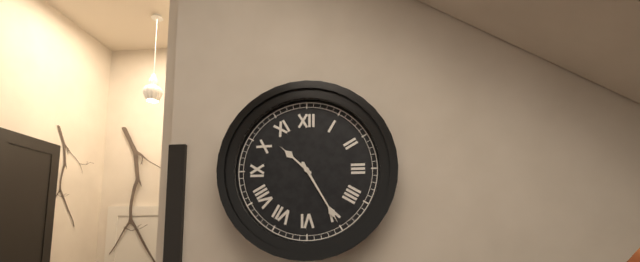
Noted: {"hour": 10, "minute": 25}
